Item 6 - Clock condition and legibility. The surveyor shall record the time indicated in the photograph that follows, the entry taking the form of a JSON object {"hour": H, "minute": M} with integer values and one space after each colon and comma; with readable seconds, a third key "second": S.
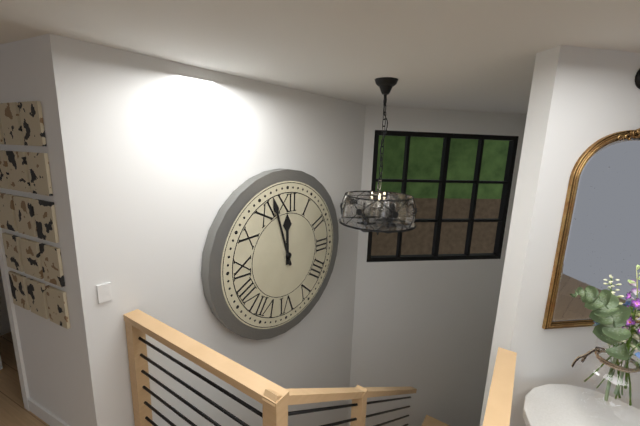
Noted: {"hour": 11, "minute": 57}
